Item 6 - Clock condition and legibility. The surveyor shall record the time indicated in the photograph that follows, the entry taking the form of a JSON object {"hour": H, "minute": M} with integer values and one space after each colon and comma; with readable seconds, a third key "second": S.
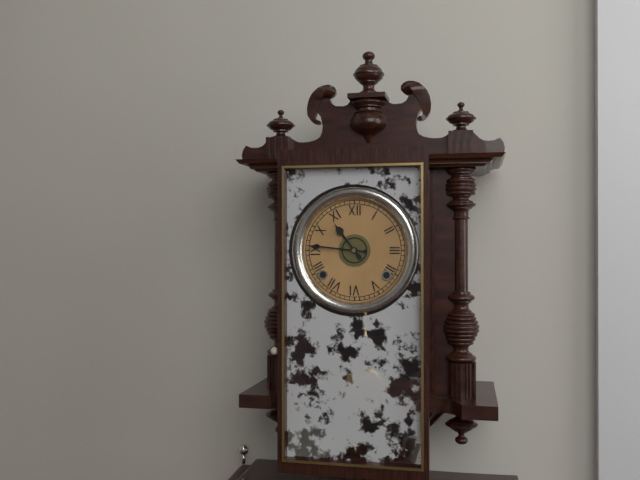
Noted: {"hour": 10, "minute": 46}
